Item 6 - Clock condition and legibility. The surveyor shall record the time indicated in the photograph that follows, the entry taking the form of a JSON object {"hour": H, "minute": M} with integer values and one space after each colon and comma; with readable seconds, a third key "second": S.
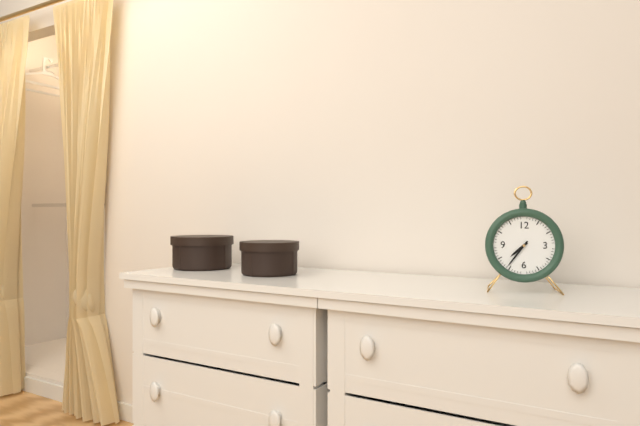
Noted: {"hour": 7, "minute": 36}
